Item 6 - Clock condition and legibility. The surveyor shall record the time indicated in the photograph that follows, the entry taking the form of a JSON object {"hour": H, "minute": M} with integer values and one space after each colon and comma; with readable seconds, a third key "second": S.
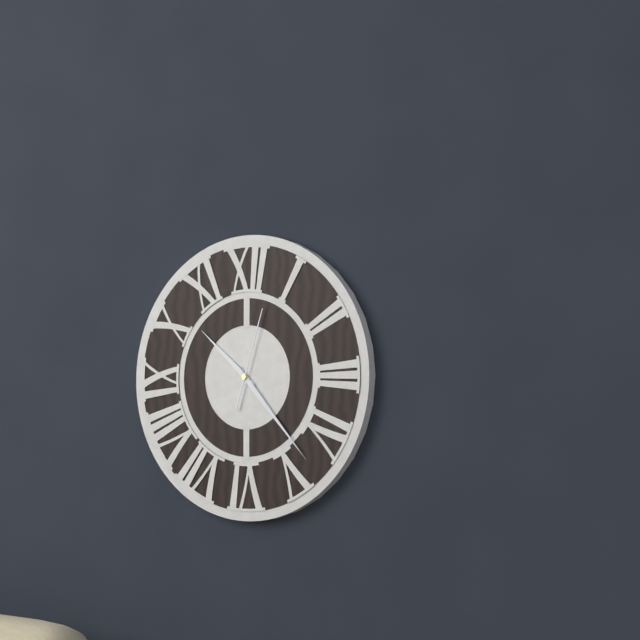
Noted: {"hour": 10, "minute": 23, "second": 3}
